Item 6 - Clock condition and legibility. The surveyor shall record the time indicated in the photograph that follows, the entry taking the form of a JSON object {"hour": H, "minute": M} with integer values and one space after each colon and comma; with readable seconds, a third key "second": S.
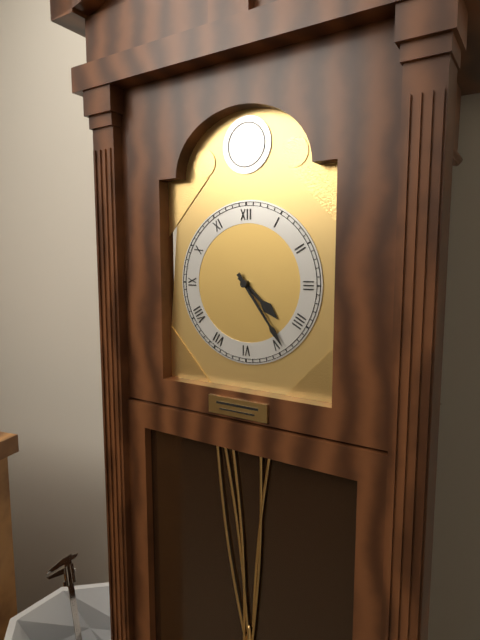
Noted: {"hour": 4, "minute": 24}
